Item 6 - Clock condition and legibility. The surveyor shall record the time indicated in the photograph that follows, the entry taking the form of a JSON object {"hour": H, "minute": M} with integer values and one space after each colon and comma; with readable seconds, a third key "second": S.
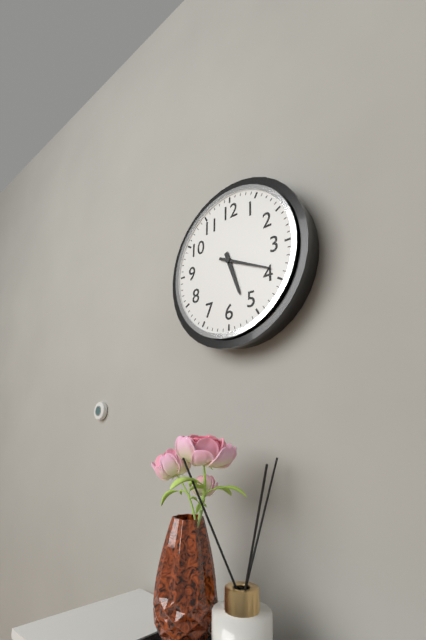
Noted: {"hour": 5, "minute": 19}
